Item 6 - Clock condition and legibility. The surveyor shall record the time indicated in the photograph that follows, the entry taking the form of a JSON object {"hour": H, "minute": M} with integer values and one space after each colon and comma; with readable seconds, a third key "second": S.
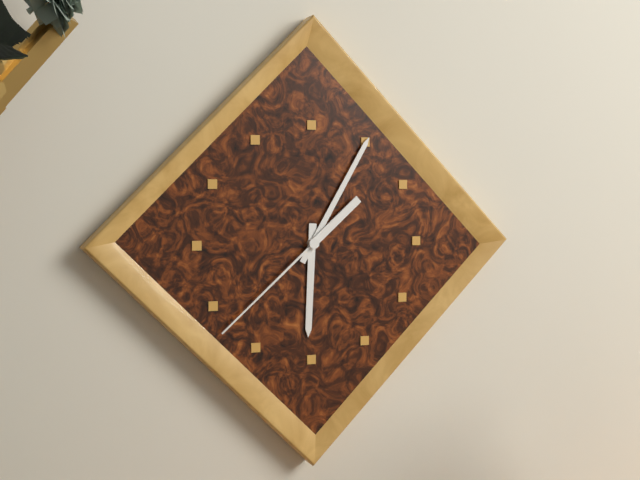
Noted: {"hour": 6, "minute": 5, "second": 38}
